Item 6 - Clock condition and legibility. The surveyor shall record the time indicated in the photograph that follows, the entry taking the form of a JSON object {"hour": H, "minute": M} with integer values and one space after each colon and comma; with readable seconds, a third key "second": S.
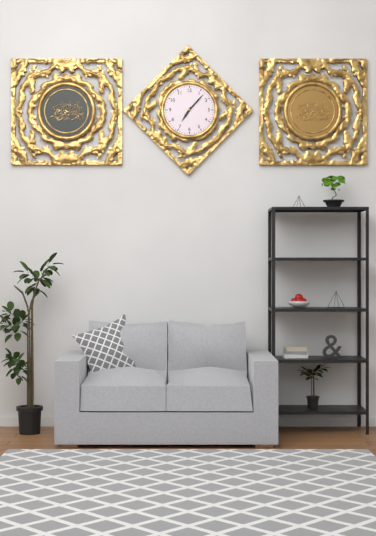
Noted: {"hour": 7, "minute": 7}
